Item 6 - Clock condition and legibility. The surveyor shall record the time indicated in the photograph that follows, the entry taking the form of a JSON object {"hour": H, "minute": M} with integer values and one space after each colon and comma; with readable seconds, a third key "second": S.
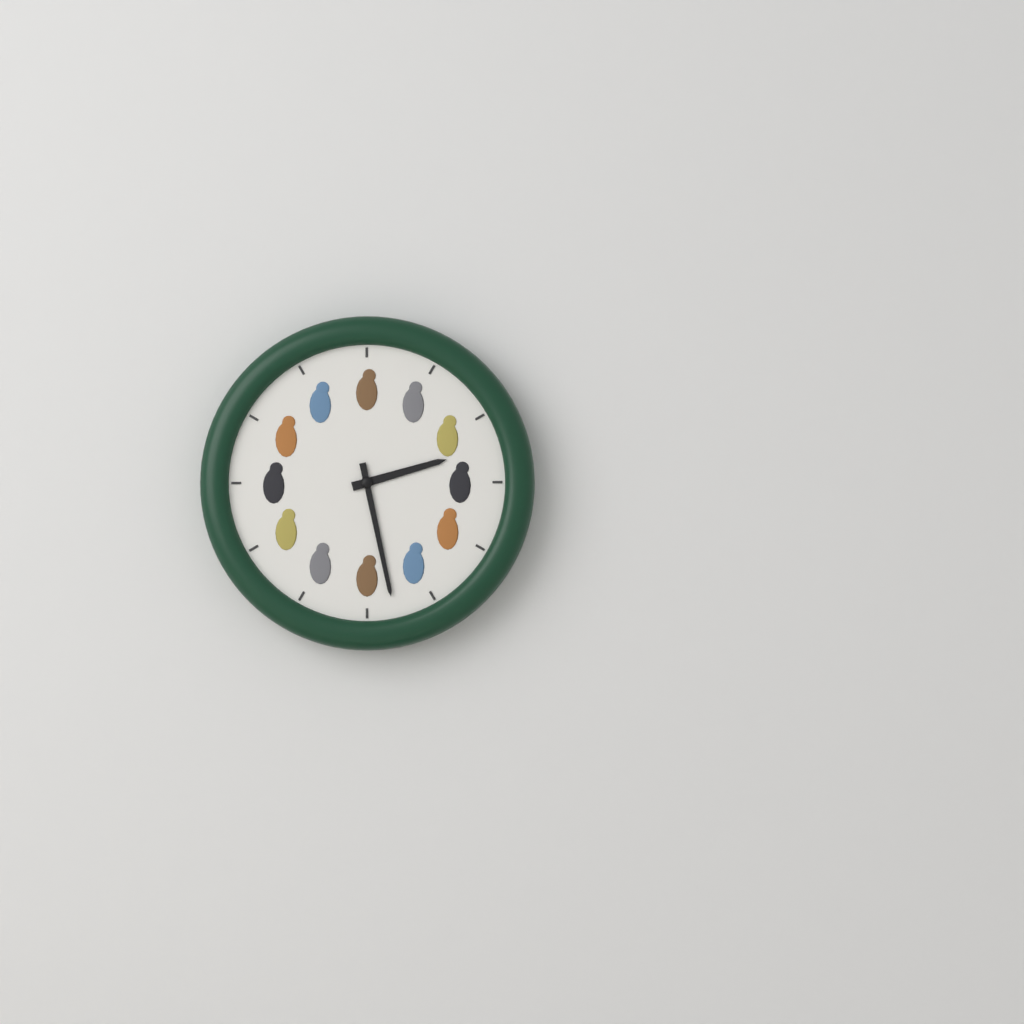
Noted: {"hour": 2, "minute": 28}
